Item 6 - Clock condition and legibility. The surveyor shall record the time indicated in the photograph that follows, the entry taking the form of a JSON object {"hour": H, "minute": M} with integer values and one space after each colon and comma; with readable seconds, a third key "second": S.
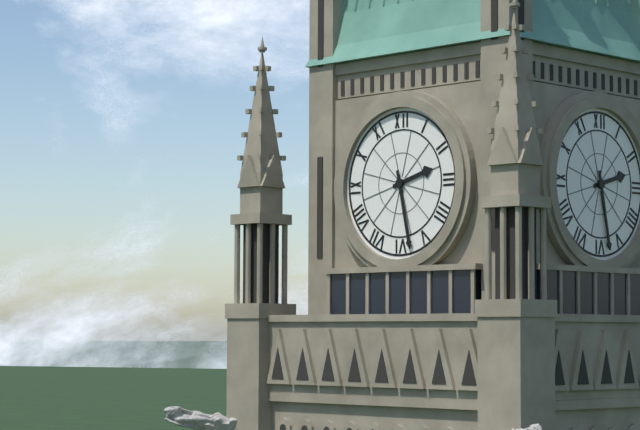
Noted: {"hour": 2, "minute": 28}
